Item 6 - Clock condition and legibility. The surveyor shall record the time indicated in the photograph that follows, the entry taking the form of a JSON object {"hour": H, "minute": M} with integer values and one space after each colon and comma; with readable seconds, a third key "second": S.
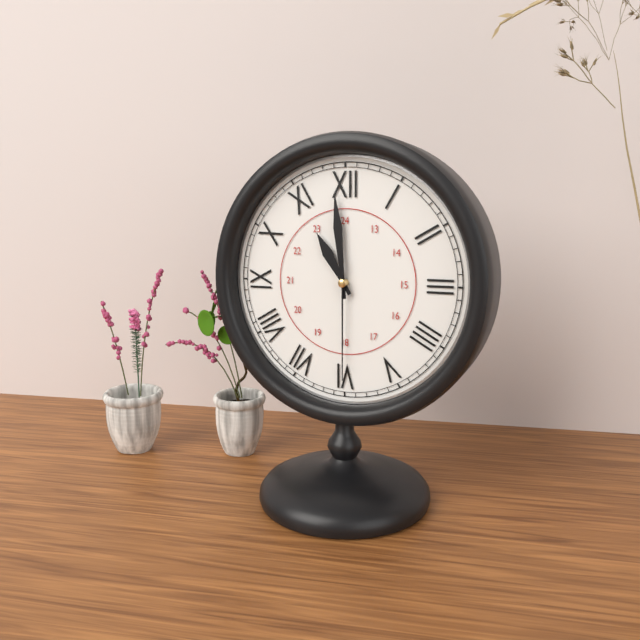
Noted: {"hour": 10, "minute": 59, "second": 30}
